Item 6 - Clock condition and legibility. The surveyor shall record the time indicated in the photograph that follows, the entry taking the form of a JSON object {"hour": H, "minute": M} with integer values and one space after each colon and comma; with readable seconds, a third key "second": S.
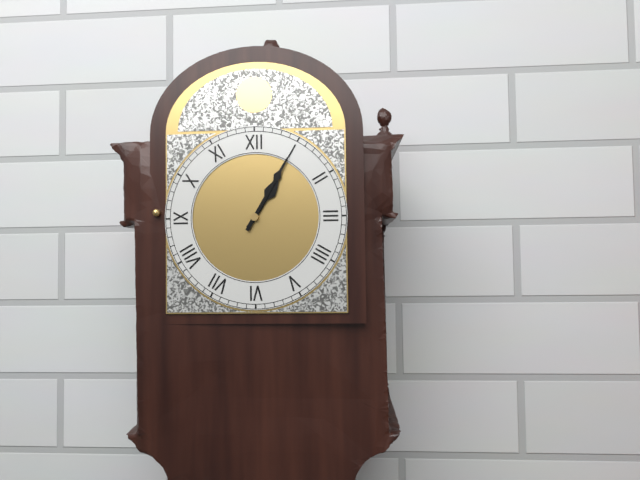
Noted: {"hour": 1, "minute": 5}
